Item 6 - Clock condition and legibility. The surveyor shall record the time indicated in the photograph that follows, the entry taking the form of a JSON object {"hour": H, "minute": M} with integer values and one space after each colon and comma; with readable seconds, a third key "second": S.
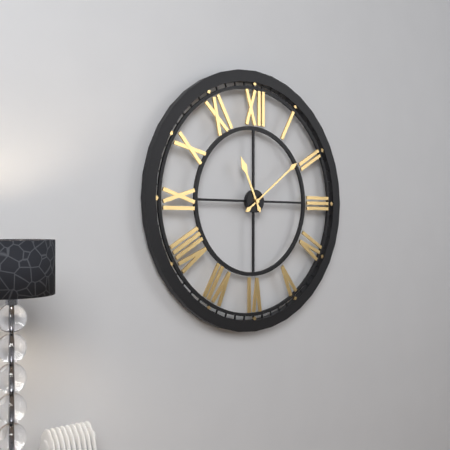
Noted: {"hour": 11, "minute": 9}
